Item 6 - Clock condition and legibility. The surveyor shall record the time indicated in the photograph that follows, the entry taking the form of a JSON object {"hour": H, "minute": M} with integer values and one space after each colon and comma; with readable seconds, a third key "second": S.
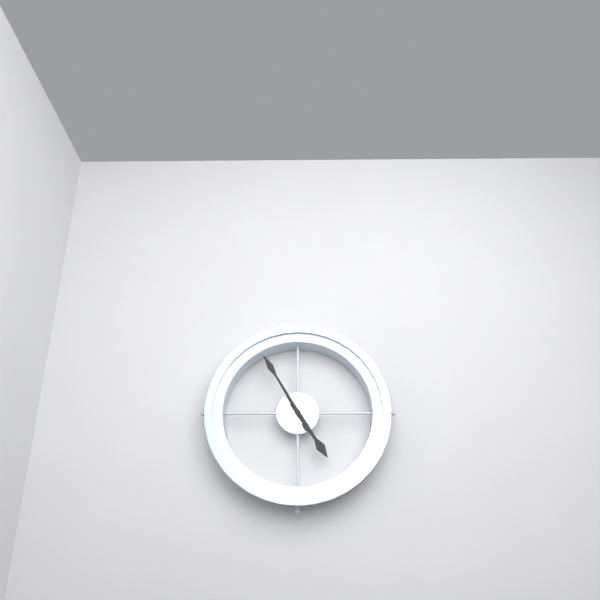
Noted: {"hour": 4, "minute": 55}
